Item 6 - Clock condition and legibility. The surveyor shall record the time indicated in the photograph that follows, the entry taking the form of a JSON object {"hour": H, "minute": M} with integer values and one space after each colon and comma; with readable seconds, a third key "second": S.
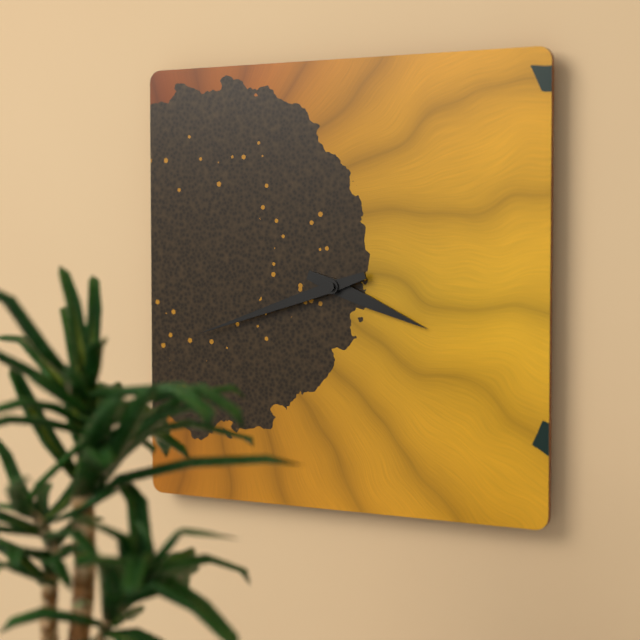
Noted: {"hour": 3, "minute": 42}
